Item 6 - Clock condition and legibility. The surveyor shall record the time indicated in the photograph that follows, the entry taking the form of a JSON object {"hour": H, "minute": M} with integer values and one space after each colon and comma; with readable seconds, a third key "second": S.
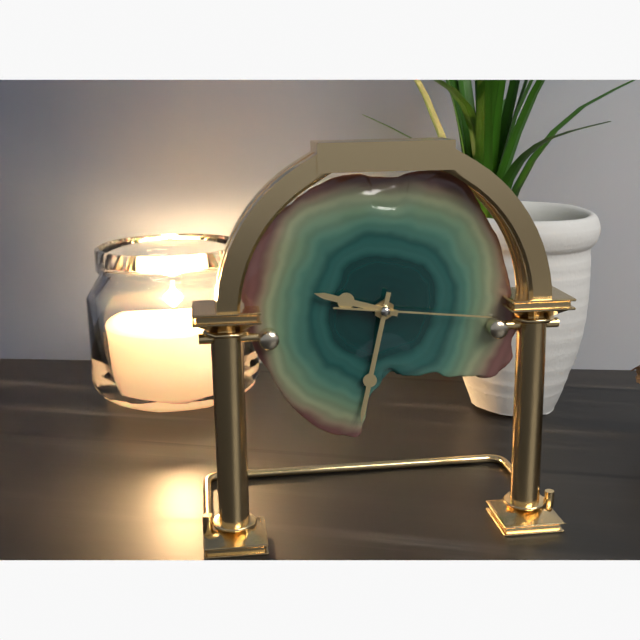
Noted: {"hour": 9, "minute": 32, "second": 16}
